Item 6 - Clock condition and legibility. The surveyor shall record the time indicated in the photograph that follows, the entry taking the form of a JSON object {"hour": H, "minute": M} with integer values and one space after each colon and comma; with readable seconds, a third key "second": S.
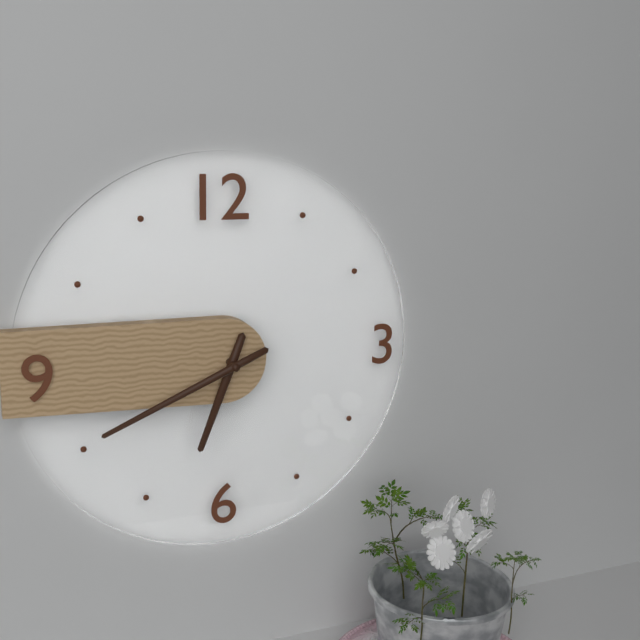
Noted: {"hour": 6, "minute": 41}
